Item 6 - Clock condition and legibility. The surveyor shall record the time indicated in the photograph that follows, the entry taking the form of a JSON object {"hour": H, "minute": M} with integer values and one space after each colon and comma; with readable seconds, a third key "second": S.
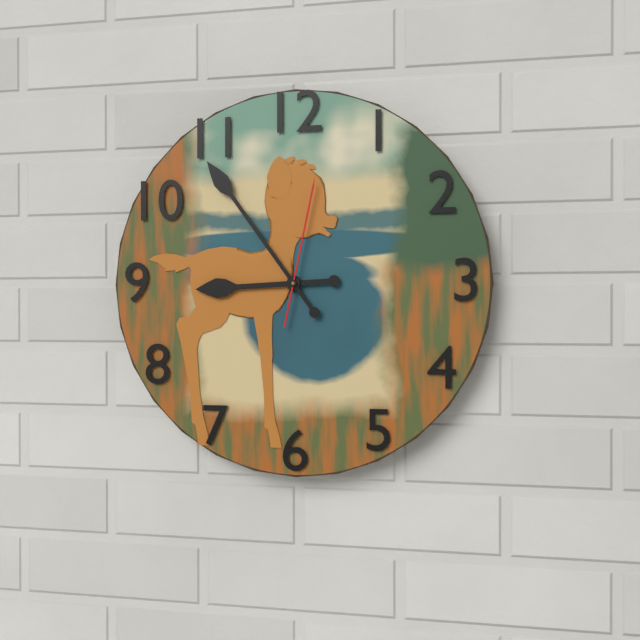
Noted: {"hour": 8, "minute": 54, "second": 2}
